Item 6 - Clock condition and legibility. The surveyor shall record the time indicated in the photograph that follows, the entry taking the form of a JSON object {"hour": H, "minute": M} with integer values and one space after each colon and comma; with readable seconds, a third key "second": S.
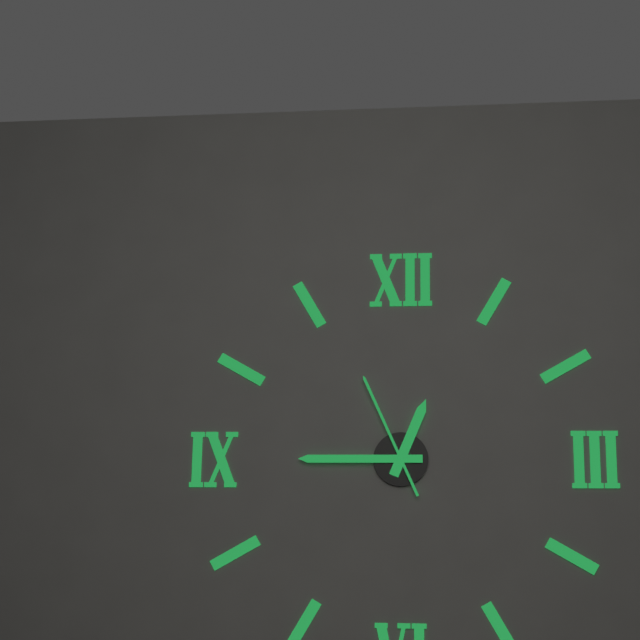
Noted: {"hour": 12, "minute": 45, "second": 56}
